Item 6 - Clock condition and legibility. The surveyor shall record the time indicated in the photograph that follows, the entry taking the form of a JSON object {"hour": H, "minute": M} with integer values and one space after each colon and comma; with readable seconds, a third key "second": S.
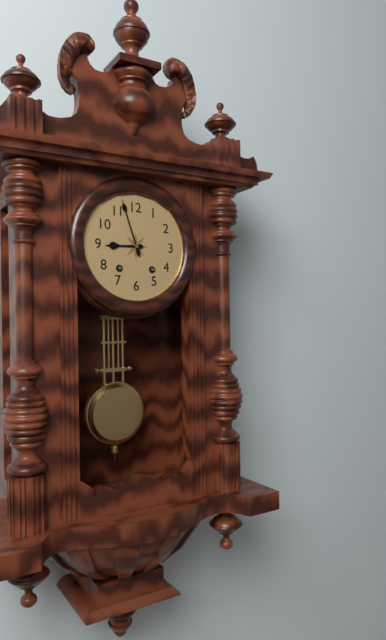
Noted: {"hour": 8, "minute": 57}
